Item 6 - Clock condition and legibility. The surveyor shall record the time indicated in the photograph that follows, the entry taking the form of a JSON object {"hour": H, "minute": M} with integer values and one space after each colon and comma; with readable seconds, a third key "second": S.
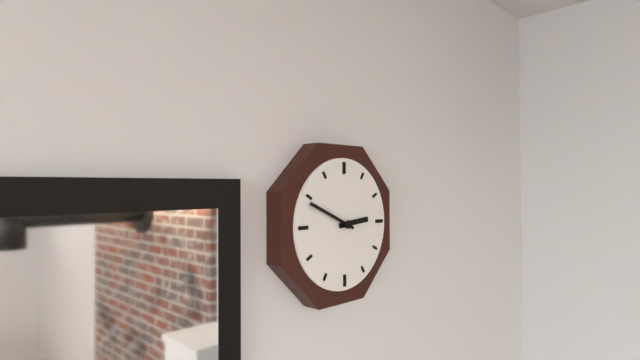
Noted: {"hour": 2, "minute": 49}
